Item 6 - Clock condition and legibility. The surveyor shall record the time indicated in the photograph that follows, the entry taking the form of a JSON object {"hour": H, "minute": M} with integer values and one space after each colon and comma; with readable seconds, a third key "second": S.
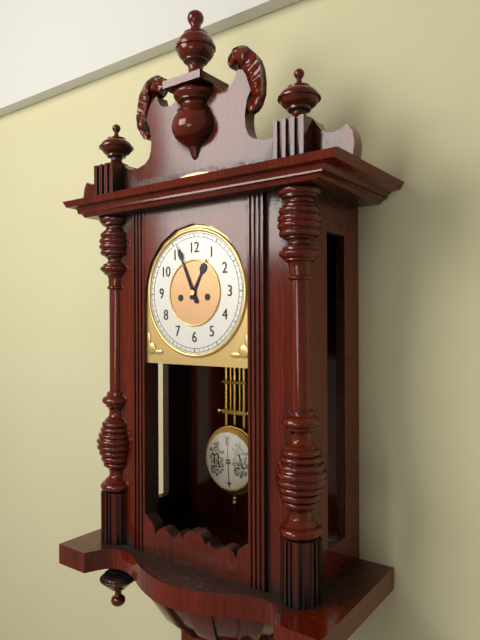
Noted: {"hour": 12, "minute": 56}
